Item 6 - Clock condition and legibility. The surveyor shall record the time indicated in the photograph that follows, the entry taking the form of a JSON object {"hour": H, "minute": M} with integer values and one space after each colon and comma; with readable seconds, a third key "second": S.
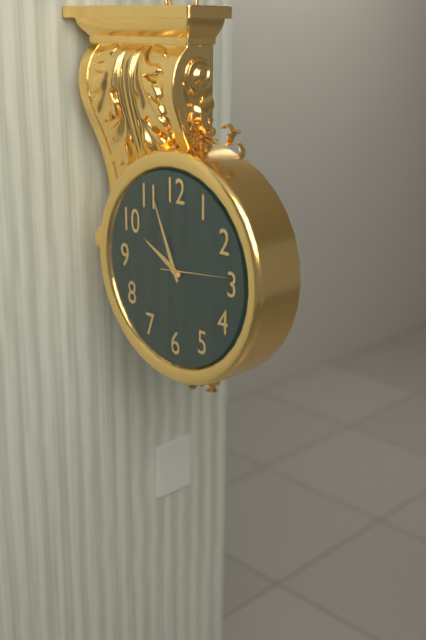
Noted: {"hour": 9, "minute": 56, "second": 14}
